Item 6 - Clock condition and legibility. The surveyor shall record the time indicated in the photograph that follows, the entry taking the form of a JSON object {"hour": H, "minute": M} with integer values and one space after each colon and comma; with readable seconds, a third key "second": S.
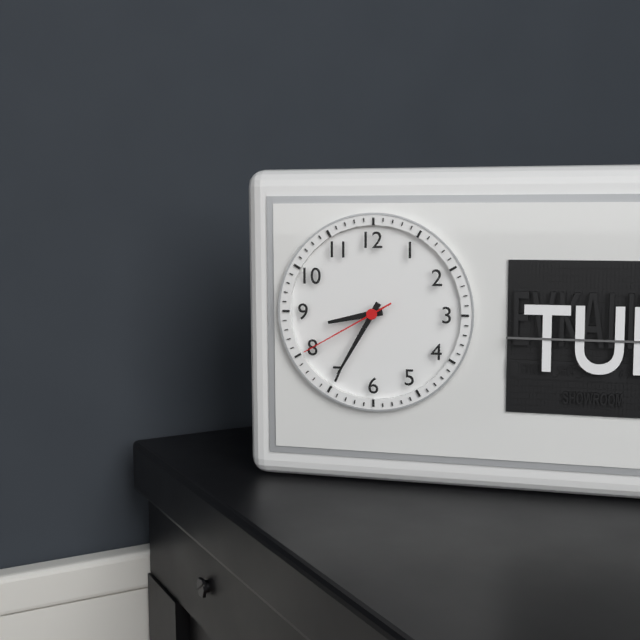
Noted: {"hour": 8, "minute": 35, "second": 40}
